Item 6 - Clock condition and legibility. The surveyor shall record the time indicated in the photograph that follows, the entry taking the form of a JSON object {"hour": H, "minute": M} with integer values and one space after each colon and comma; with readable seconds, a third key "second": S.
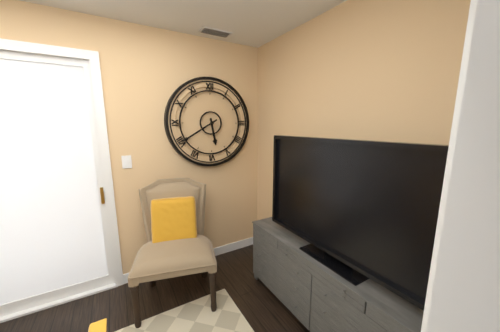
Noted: {"hour": 5, "minute": 40}
